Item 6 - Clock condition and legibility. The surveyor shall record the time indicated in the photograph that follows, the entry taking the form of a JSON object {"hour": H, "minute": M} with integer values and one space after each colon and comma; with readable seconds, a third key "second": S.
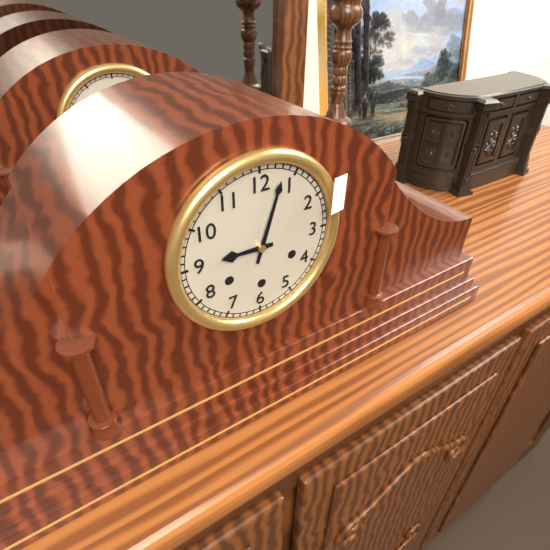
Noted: {"hour": 9, "minute": 3}
